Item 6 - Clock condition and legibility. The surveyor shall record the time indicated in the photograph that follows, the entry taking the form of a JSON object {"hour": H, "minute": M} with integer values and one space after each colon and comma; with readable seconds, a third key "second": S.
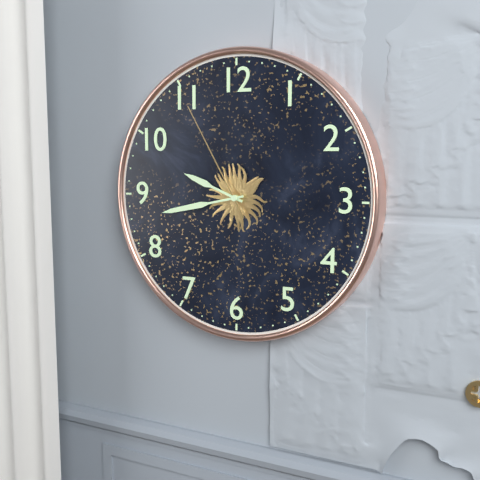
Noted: {"hour": 9, "minute": 43, "second": 55}
